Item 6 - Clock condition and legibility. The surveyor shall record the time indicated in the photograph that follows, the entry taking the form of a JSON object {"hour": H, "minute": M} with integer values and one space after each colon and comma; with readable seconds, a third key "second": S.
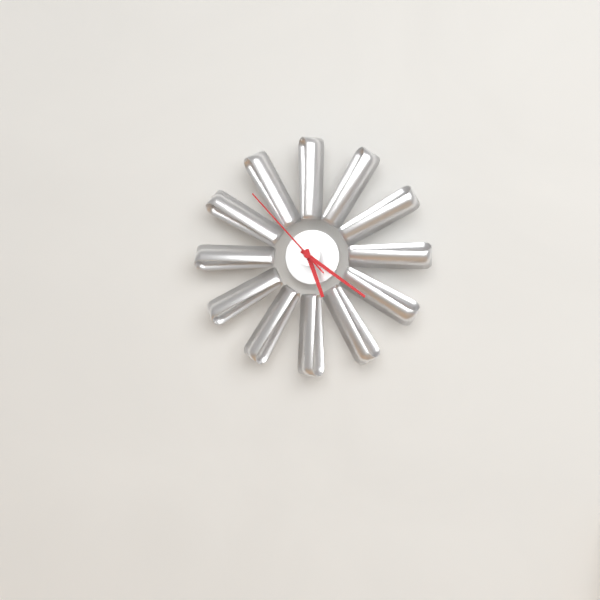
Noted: {"hour": 5, "minute": 21, "second": 53}
